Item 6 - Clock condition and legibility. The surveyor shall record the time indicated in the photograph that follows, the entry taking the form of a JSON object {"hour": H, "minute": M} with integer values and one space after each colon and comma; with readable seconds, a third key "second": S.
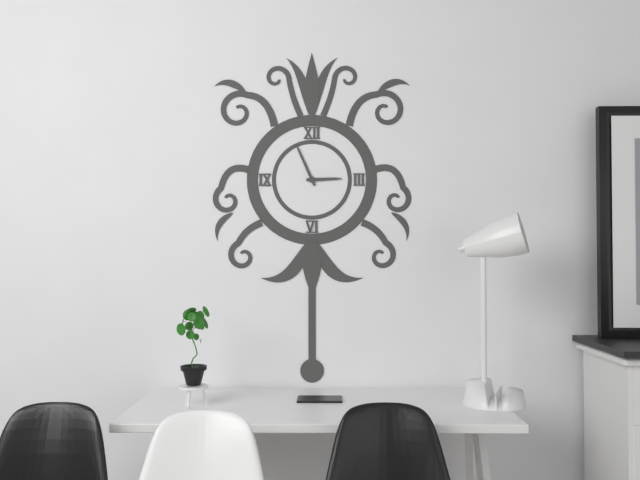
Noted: {"hour": 2, "minute": 56}
